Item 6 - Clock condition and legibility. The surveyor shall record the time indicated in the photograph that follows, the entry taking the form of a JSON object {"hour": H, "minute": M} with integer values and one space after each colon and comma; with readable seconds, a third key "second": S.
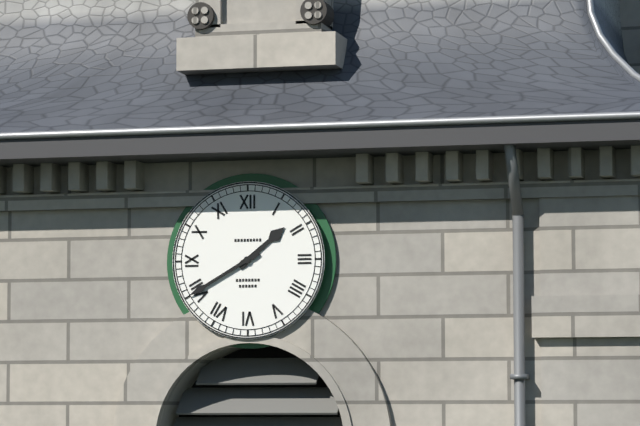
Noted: {"hour": 1, "minute": 40}
